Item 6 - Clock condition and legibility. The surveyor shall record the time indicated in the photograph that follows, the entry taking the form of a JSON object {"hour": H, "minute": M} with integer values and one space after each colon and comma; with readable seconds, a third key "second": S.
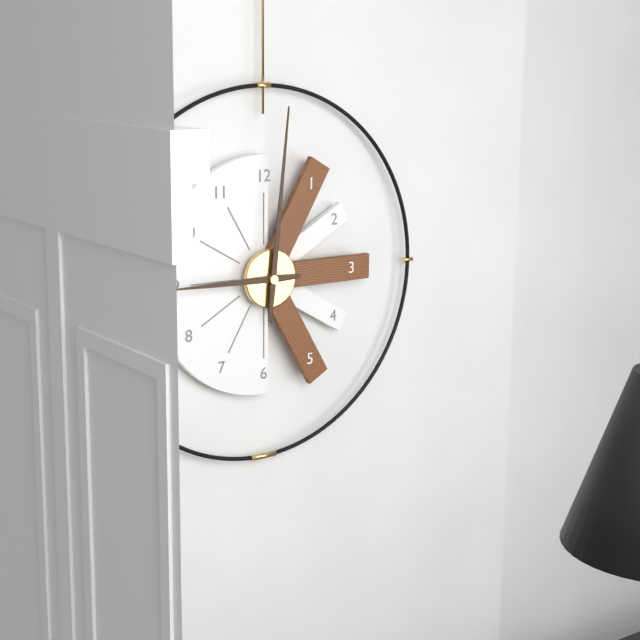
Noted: {"hour": 9, "minute": 1}
